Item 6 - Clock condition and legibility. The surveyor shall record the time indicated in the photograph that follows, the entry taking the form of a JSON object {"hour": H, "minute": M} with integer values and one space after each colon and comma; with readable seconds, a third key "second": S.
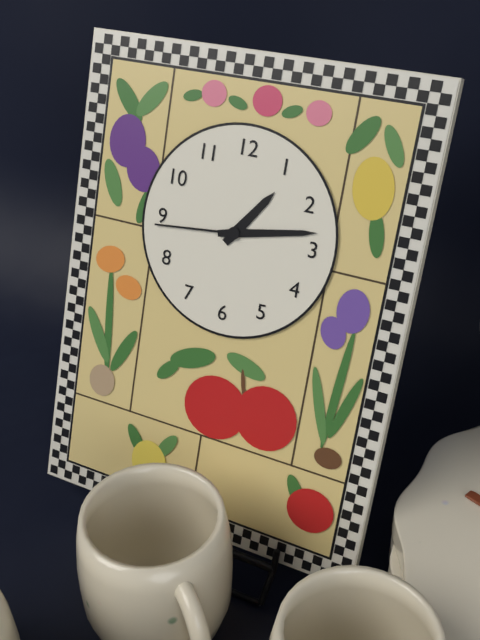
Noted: {"hour": 1, "minute": 13, "second": 44}
